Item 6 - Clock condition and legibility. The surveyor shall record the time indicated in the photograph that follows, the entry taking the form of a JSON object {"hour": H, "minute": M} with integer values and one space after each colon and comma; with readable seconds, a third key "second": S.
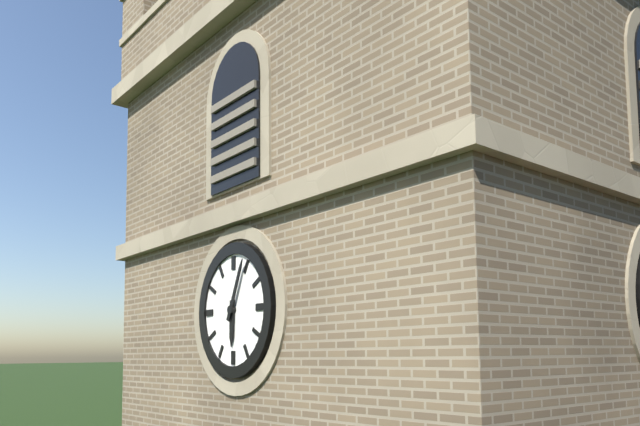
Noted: {"hour": 6, "minute": 4}
